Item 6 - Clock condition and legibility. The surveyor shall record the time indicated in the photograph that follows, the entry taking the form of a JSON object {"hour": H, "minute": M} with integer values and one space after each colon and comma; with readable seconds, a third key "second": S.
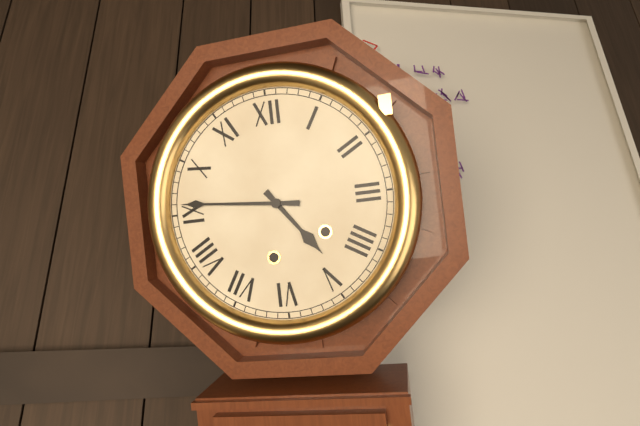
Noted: {"hour": 4, "minute": 46}
